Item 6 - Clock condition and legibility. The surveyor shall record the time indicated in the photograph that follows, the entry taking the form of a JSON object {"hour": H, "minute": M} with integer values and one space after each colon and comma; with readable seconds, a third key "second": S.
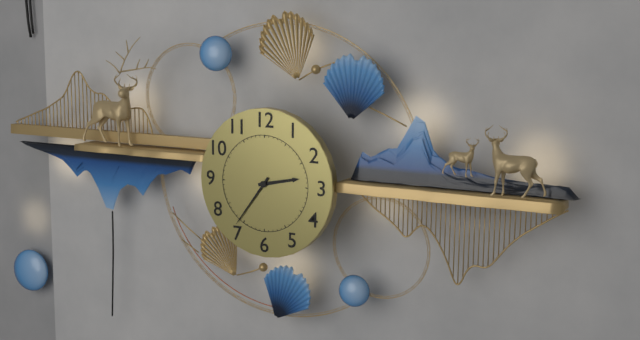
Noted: {"hour": 2, "minute": 36}
